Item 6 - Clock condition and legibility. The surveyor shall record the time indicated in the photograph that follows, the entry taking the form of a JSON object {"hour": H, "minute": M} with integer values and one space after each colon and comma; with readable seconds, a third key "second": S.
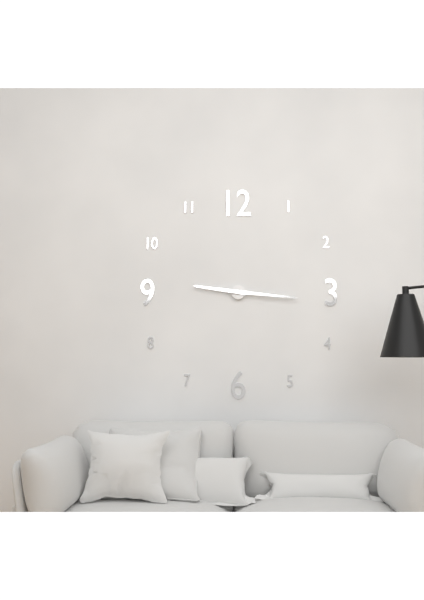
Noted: {"hour": 9, "minute": 16}
